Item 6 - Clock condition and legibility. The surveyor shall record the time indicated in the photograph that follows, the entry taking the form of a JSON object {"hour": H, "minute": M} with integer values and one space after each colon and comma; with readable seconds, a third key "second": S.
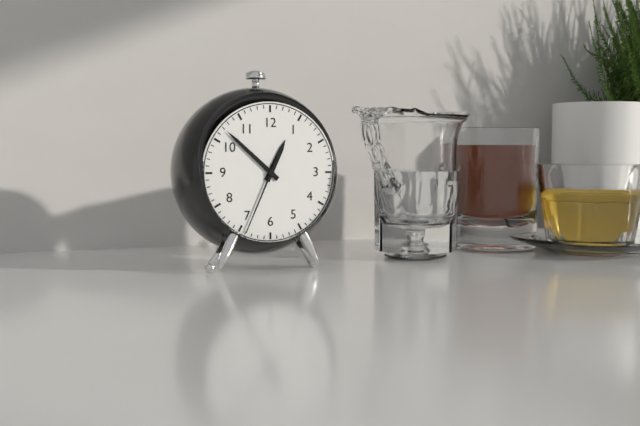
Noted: {"hour": 12, "minute": 52, "second": 34}
